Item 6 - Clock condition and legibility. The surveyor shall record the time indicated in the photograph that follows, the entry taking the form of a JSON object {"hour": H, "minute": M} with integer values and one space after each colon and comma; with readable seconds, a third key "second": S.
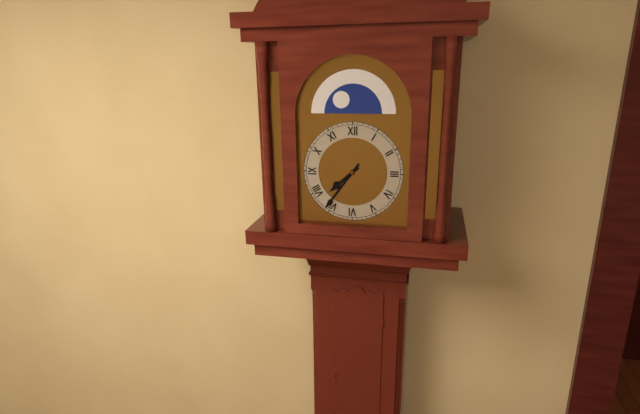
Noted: {"hour": 7, "minute": 36}
